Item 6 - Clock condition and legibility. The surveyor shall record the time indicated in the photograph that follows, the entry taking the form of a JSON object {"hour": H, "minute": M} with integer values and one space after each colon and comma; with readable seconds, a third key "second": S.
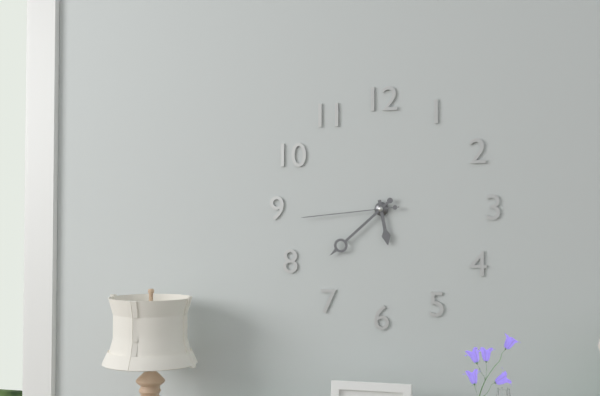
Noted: {"hour": 5, "minute": 38, "second": 44}
